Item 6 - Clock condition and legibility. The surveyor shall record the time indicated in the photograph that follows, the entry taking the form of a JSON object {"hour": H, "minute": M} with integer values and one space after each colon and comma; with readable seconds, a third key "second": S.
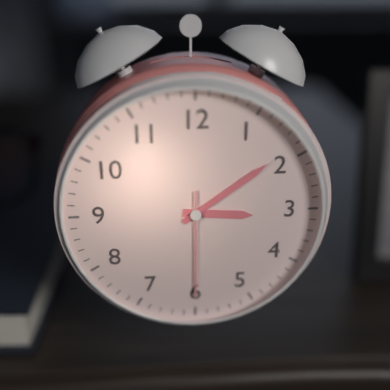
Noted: {"hour": 3, "minute": 9, "second": 30}
